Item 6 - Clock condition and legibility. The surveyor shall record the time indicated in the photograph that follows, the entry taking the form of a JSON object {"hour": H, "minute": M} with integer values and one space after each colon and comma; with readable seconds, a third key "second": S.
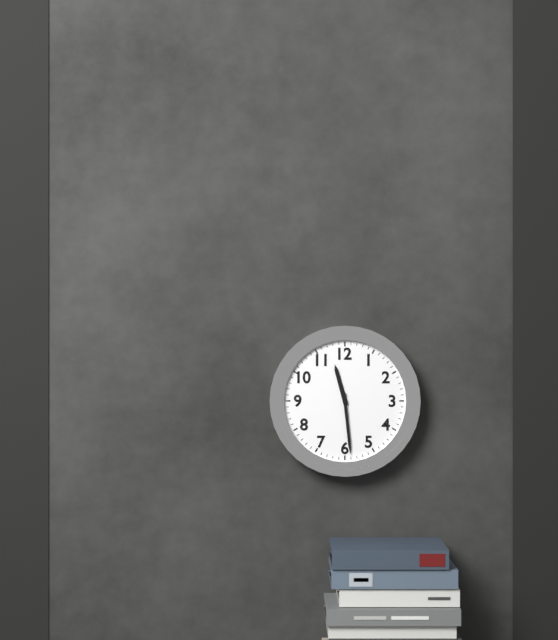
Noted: {"hour": 11, "minute": 29}
